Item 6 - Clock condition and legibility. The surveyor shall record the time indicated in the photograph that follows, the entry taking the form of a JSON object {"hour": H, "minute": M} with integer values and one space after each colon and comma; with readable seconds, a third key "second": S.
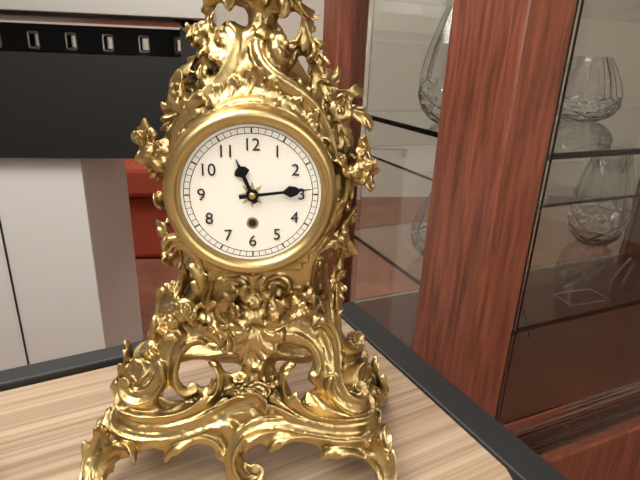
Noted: {"hour": 11, "minute": 14}
